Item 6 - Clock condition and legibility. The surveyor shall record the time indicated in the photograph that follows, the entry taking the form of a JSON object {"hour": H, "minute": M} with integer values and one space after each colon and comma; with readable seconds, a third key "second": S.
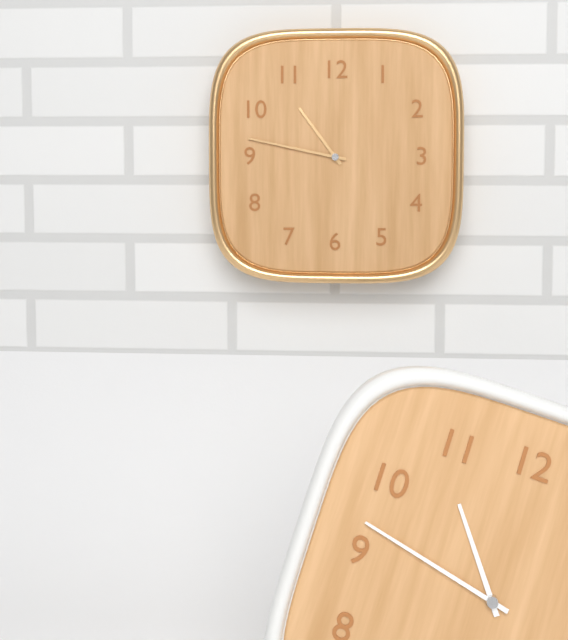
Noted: {"hour": 10, "minute": 47}
